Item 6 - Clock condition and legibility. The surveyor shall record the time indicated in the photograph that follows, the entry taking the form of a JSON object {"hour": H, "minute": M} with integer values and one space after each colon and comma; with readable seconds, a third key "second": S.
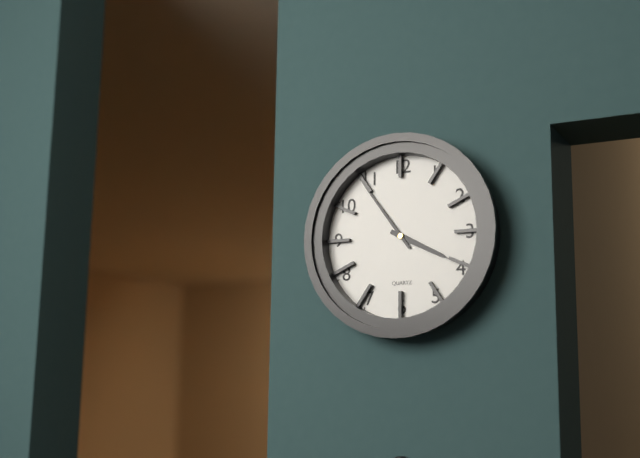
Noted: {"hour": 3, "minute": 54}
